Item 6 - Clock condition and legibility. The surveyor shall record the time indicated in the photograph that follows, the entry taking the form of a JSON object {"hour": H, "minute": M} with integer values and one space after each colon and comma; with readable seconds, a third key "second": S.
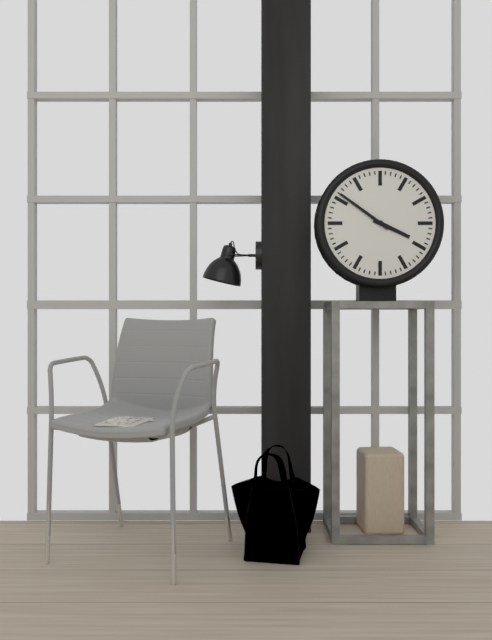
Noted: {"hour": 3, "minute": 51}
